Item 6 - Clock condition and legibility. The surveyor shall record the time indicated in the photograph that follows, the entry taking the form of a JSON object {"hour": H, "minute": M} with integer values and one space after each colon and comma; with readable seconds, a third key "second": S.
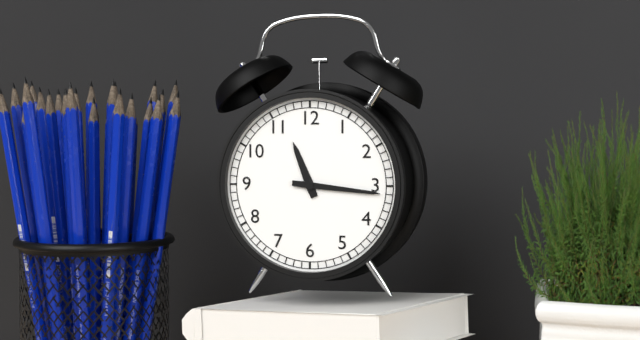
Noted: {"hour": 11, "minute": 16}
